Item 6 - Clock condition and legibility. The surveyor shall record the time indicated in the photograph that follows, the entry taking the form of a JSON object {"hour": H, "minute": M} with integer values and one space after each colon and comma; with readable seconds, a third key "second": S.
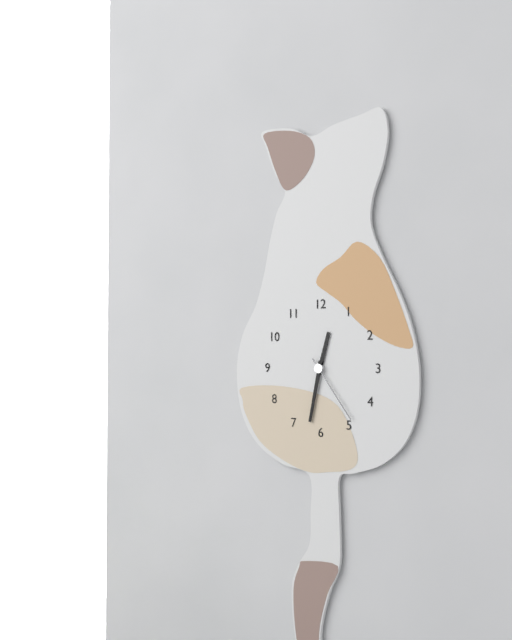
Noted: {"hour": 12, "minute": 32, "second": 24}
